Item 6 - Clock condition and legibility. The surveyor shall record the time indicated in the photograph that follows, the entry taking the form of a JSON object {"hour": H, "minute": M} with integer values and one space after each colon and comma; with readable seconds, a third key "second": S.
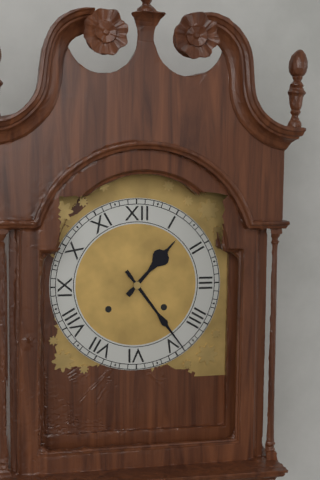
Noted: {"hour": 1, "minute": 24}
